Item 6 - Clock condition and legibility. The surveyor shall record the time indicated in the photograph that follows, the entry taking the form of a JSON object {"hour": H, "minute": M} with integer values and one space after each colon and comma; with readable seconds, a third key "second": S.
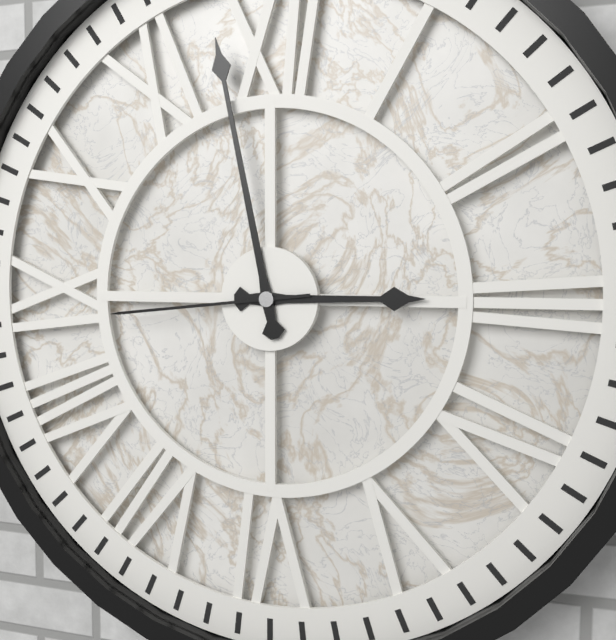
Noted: {"hour": 2, "minute": 58, "second": 44}
